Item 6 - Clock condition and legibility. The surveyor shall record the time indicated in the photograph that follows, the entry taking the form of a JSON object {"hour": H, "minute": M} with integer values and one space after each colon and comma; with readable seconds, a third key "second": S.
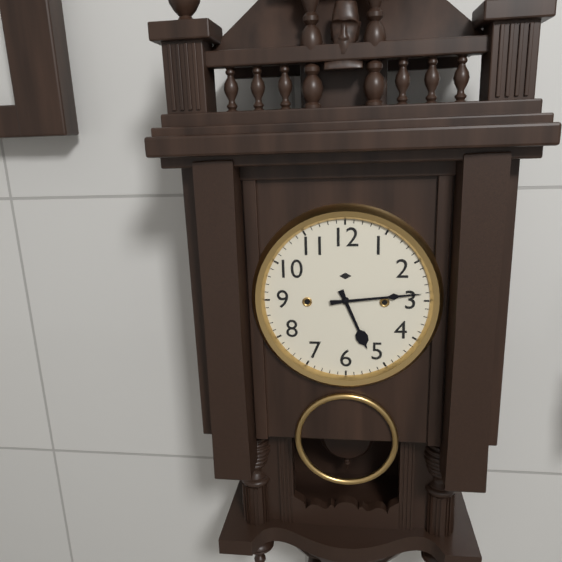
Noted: {"hour": 5, "minute": 14}
